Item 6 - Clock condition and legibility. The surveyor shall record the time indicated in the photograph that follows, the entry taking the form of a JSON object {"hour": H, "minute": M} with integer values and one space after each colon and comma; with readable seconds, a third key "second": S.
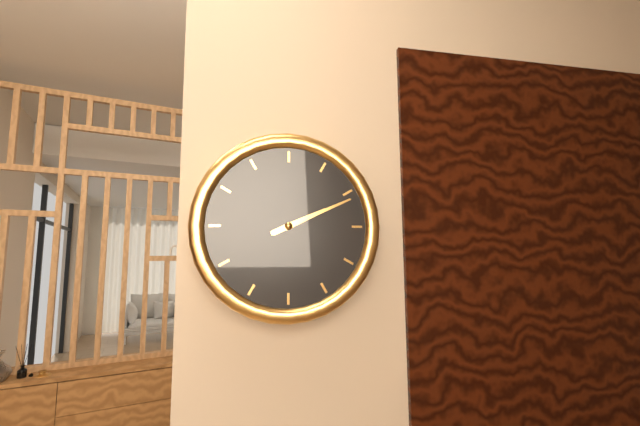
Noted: {"hour": 2, "minute": 11}
